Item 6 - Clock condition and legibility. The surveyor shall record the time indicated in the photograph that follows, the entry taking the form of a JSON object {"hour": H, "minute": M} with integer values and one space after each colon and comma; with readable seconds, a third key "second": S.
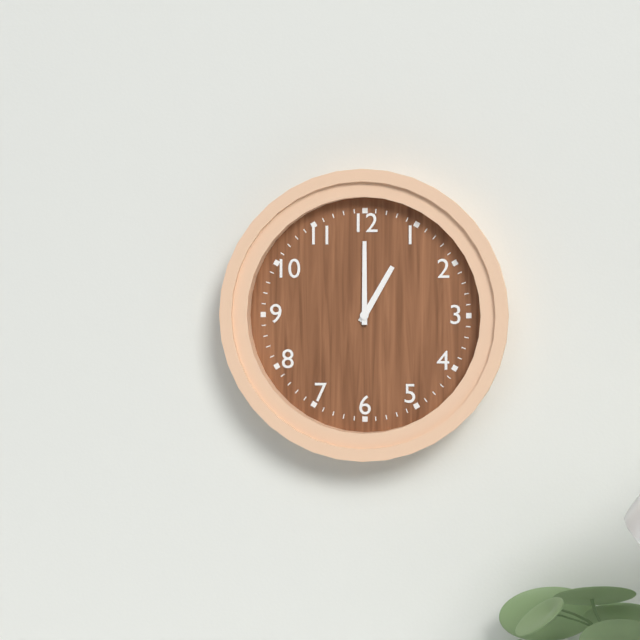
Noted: {"hour": 1, "minute": 0}
